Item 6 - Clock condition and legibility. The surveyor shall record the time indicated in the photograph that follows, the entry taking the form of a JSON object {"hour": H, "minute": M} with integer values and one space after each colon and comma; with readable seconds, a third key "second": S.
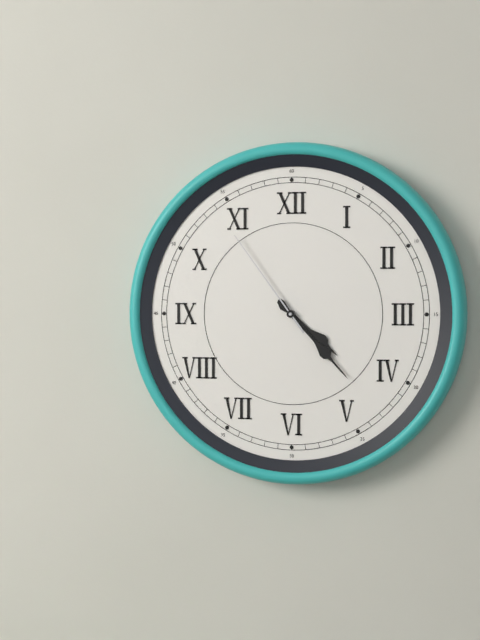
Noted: {"hour": 4, "minute": 23, "second": 54}
